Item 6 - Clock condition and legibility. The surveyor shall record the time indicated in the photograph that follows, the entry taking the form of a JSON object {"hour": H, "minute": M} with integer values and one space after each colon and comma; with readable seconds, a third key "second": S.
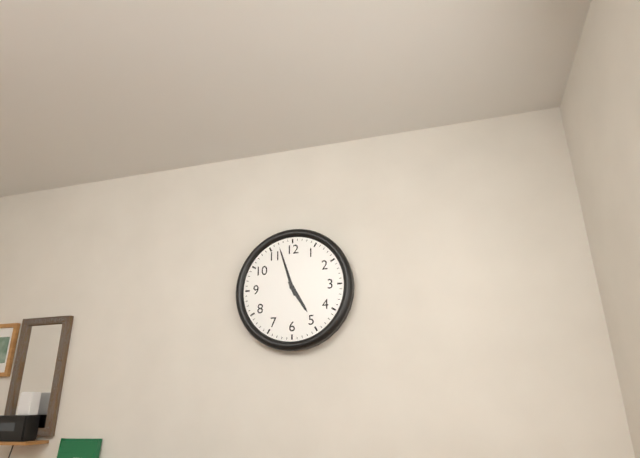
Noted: {"hour": 4, "minute": 57}
